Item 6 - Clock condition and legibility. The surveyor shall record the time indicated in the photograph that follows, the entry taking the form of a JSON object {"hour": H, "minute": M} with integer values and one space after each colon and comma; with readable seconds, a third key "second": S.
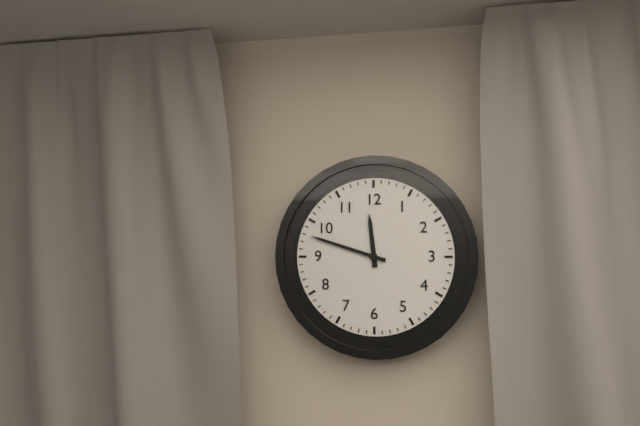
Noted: {"hour": 11, "minute": 48}
